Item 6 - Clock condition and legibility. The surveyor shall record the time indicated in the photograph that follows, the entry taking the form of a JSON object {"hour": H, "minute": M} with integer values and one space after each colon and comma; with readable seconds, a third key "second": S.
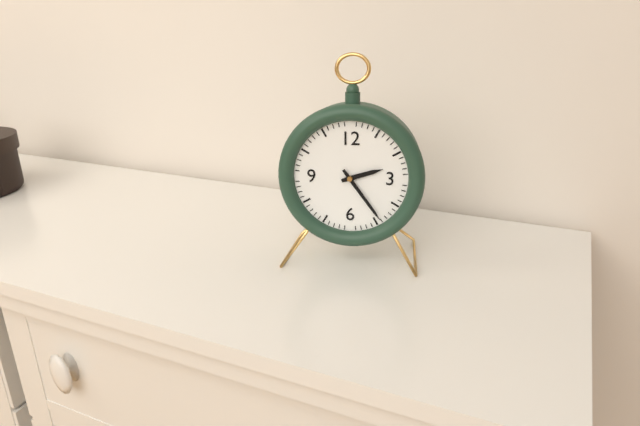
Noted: {"hour": 2, "minute": 24}
